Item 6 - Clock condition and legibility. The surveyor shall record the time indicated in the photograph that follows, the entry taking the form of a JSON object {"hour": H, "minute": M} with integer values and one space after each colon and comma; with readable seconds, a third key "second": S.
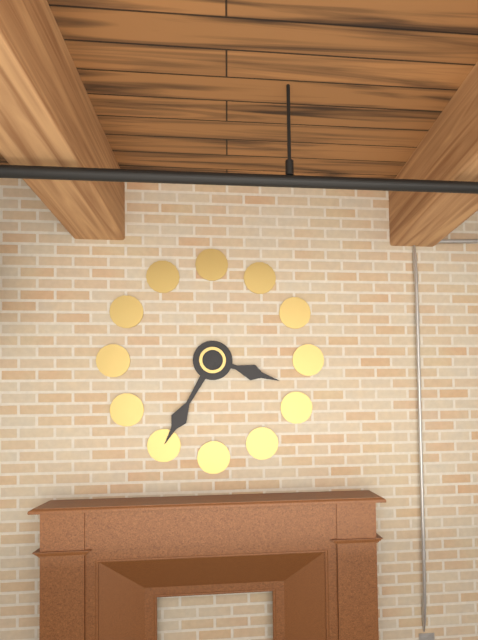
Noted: {"hour": 3, "minute": 35}
